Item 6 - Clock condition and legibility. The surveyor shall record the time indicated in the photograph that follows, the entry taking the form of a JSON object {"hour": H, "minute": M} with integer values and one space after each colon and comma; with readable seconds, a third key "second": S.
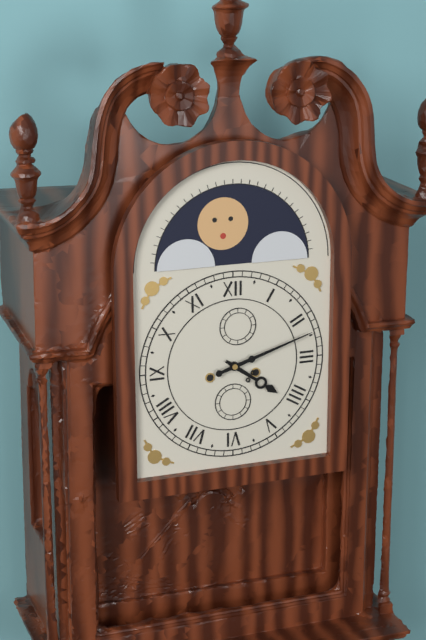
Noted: {"hour": 4, "minute": 12}
